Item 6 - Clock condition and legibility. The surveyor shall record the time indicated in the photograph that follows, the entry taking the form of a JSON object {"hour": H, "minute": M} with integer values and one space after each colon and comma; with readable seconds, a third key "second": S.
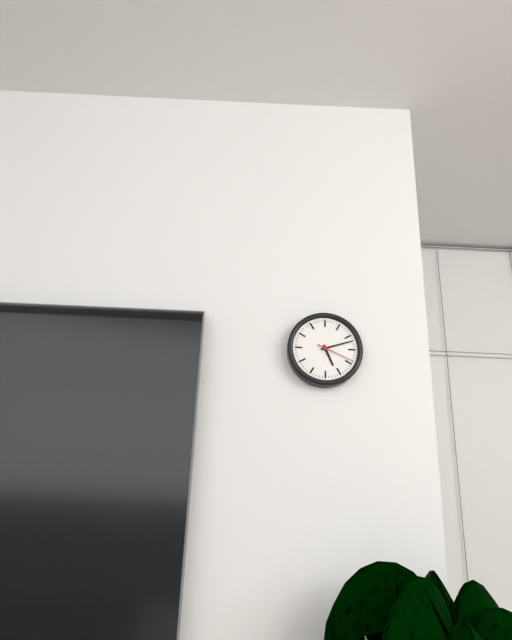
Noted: {"hour": 5, "minute": 12}
